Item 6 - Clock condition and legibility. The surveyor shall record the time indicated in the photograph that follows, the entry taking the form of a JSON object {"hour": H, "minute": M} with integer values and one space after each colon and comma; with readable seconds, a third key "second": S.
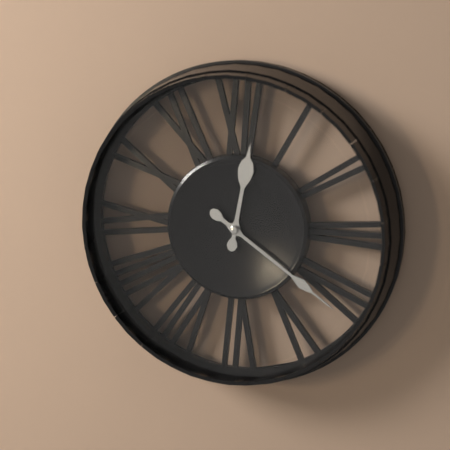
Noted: {"hour": 12, "minute": 21}
